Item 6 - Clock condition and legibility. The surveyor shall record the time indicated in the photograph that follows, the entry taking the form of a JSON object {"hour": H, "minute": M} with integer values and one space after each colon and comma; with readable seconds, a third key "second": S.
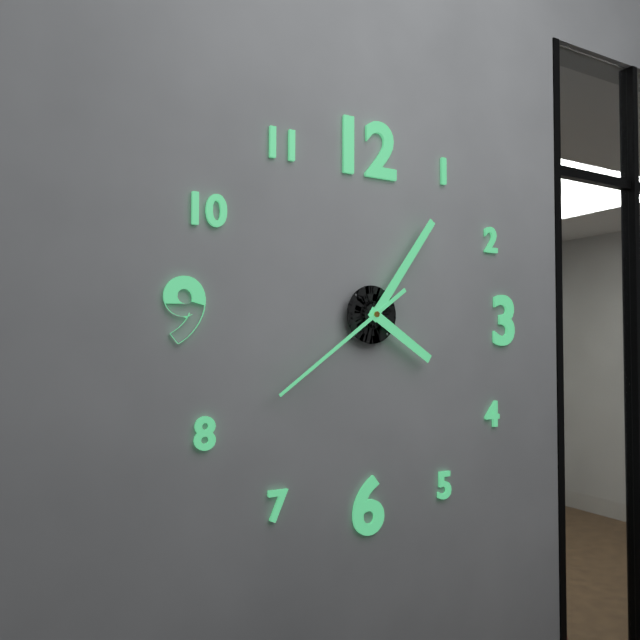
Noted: {"hour": 4, "minute": 6, "second": 39}
